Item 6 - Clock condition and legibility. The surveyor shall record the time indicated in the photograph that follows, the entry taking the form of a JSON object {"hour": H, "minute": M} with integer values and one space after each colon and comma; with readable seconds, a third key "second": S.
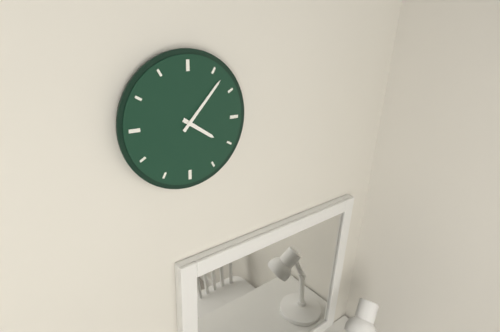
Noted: {"hour": 4, "minute": 7}
